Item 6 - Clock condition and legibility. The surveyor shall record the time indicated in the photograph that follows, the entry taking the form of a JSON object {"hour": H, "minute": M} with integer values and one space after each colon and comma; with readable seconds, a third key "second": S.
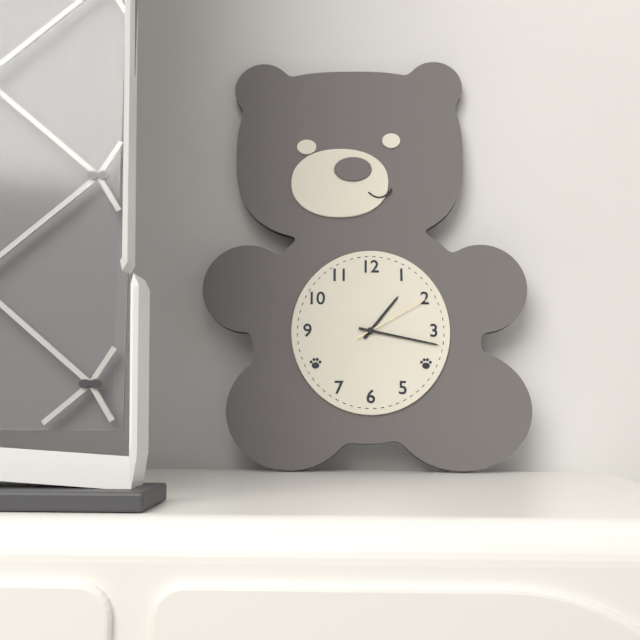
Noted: {"hour": 1, "minute": 17, "second": 10}
